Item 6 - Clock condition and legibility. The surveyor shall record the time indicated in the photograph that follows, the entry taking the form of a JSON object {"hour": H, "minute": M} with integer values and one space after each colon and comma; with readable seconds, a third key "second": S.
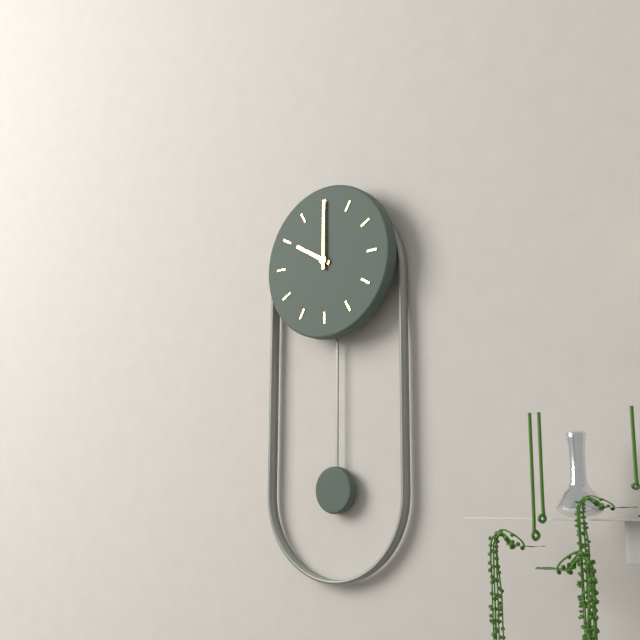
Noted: {"hour": 10, "minute": 0}
